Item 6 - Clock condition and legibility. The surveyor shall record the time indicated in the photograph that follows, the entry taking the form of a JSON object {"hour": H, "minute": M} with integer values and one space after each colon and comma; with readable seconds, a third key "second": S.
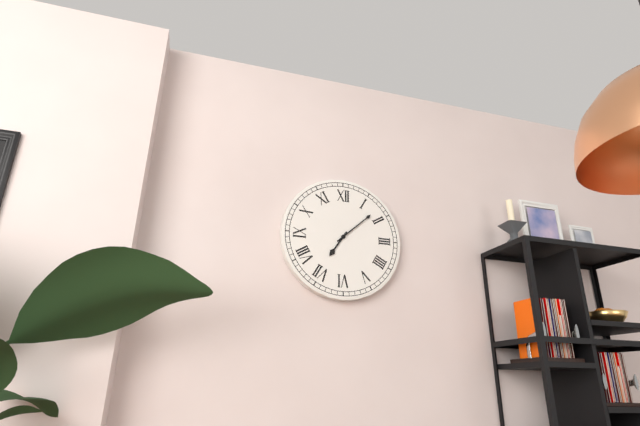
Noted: {"hour": 7, "minute": 8}
